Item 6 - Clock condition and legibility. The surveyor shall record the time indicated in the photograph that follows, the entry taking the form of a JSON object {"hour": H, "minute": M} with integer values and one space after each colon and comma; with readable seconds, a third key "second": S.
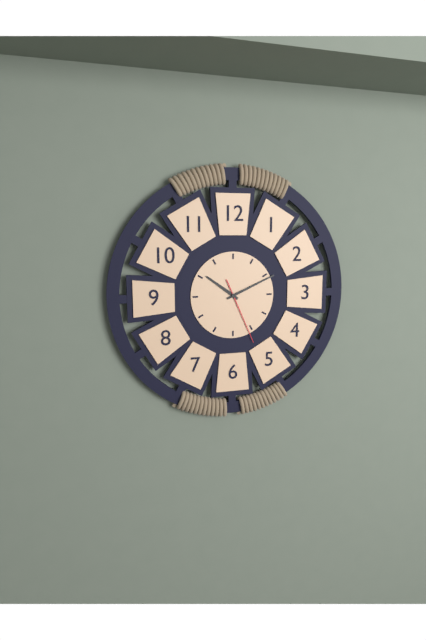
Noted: {"hour": 10, "minute": 11, "second": 26}
